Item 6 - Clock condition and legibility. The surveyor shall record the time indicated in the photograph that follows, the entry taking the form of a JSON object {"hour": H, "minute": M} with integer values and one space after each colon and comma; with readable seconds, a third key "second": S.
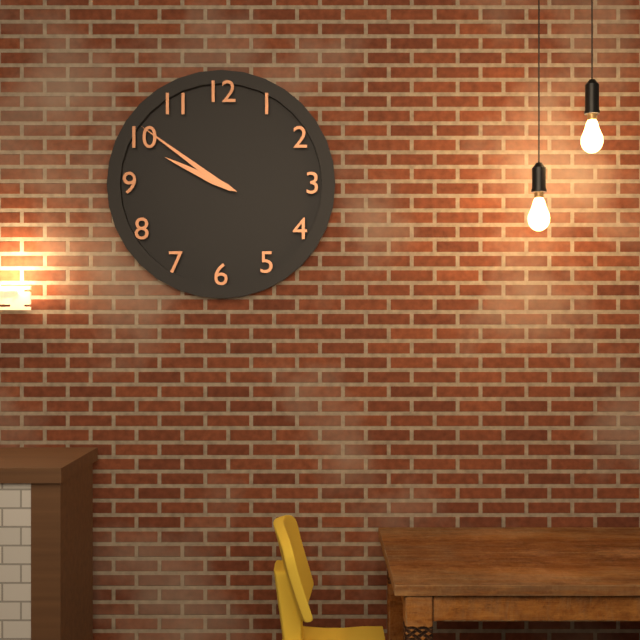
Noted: {"hour": 9, "minute": 51}
